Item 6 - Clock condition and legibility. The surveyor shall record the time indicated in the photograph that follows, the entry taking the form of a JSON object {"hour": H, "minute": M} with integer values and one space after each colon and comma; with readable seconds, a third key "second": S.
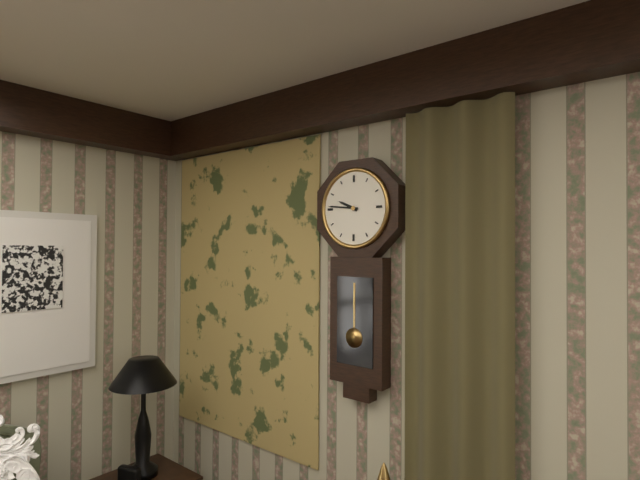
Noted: {"hour": 9, "minute": 46}
